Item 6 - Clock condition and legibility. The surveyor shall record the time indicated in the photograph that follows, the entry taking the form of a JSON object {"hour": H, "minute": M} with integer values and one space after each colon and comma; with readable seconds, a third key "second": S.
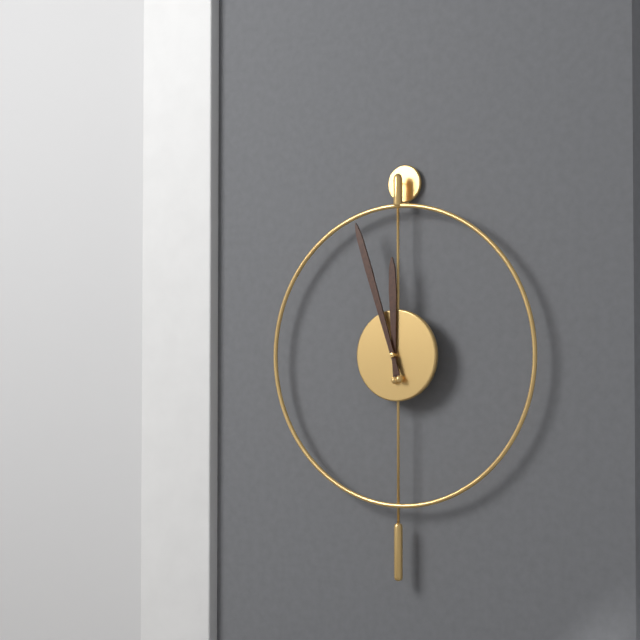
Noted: {"hour": 11, "minute": 57}
